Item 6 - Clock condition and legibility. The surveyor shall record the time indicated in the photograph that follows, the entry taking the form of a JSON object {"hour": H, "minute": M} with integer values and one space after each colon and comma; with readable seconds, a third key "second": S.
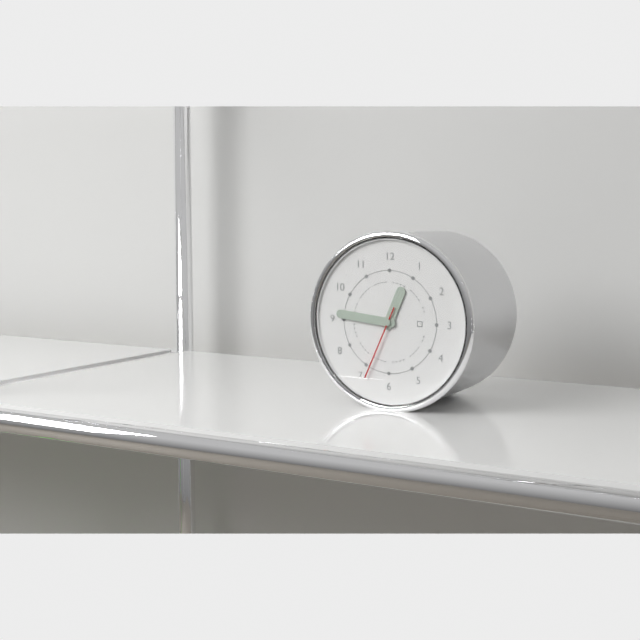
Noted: {"hour": 12, "minute": 46, "second": 34}
